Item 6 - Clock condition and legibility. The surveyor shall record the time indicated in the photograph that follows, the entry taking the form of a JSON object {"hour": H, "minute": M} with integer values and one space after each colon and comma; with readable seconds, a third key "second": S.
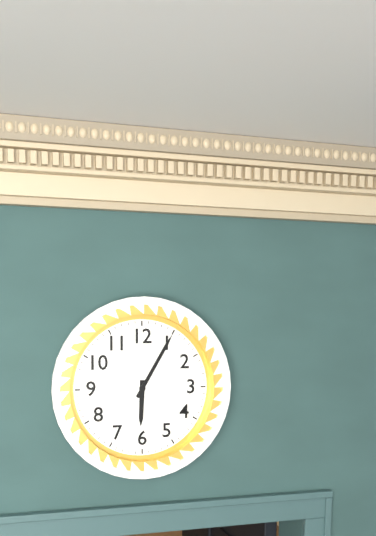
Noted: {"hour": 6, "minute": 5}
